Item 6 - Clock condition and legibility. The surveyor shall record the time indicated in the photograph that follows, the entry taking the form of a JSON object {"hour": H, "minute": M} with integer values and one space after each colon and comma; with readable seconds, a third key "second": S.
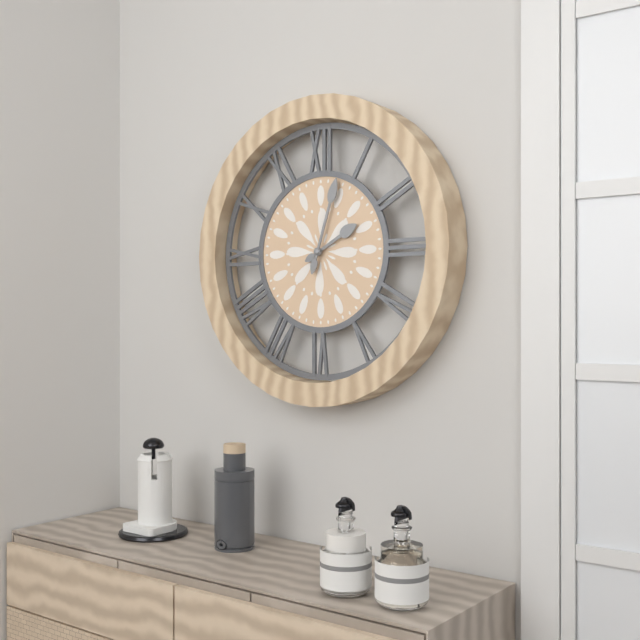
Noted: {"hour": 2, "minute": 3}
